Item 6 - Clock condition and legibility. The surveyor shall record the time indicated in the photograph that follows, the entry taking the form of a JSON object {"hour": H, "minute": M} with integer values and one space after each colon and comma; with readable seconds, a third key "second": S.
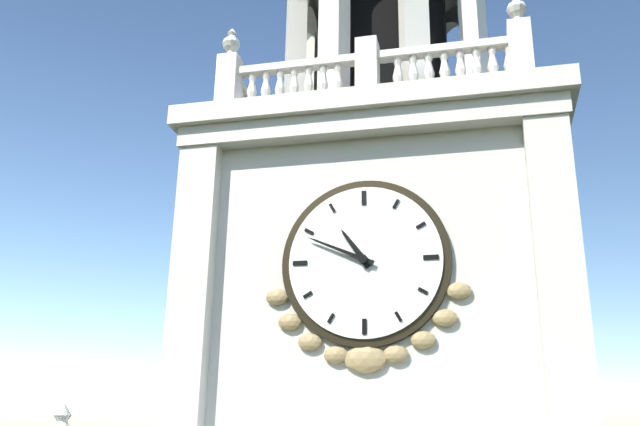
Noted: {"hour": 10, "minute": 49}
